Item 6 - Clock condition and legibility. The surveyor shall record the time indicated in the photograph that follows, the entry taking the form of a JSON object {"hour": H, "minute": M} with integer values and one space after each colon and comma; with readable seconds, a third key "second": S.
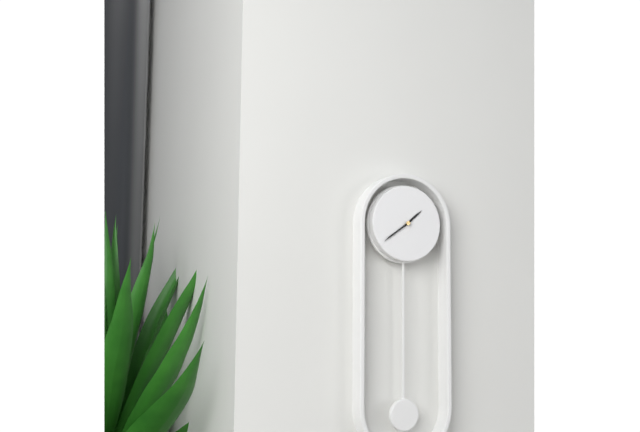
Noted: {"hour": 1, "minute": 39}
